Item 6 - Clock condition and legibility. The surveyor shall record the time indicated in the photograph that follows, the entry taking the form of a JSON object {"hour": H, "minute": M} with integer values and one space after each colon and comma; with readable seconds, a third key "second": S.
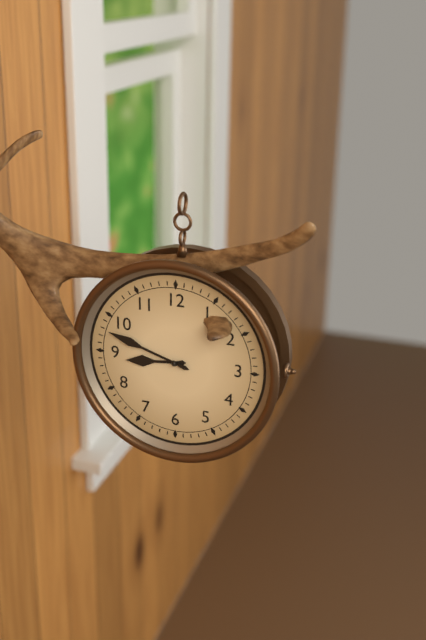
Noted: {"hour": 8, "minute": 48}
